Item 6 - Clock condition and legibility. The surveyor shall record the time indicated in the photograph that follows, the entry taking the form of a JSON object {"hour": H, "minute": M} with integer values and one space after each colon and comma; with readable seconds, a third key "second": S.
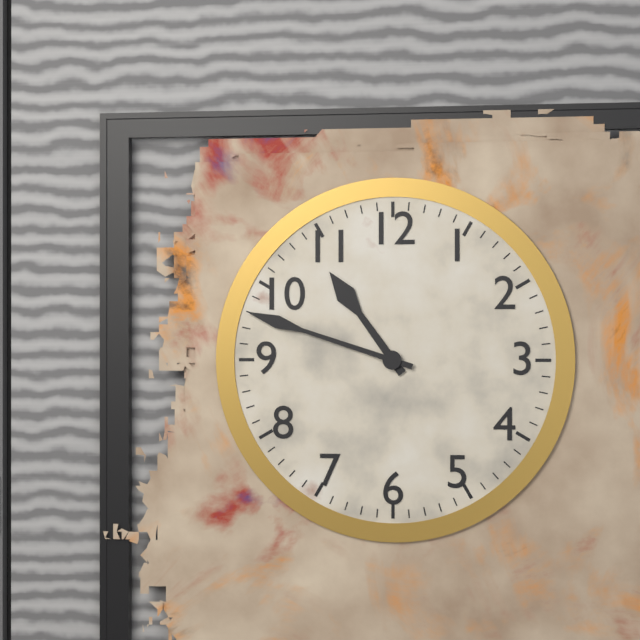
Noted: {"hour": 10, "minute": 48}
